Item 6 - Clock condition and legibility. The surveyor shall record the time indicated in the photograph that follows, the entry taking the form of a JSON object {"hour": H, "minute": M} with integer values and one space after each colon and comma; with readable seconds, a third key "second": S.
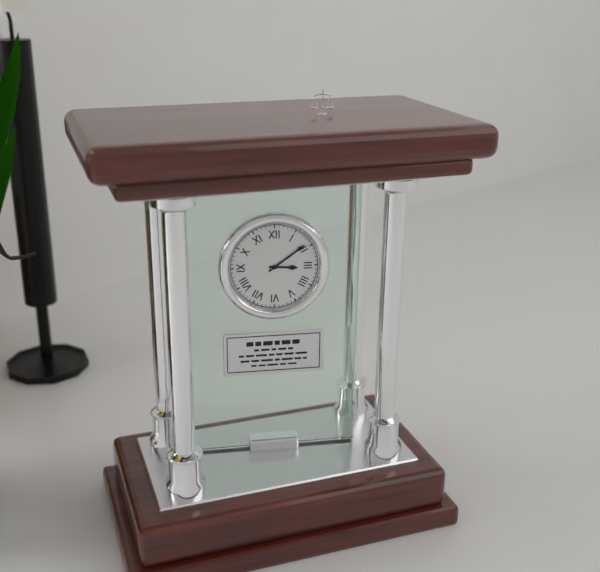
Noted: {"hour": 3, "minute": 9}
